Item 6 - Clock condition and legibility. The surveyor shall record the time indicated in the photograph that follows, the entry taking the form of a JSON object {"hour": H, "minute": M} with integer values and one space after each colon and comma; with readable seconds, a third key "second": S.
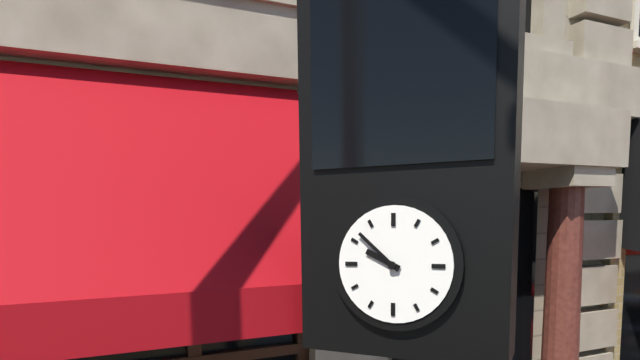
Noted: {"hour": 9, "minute": 52}
